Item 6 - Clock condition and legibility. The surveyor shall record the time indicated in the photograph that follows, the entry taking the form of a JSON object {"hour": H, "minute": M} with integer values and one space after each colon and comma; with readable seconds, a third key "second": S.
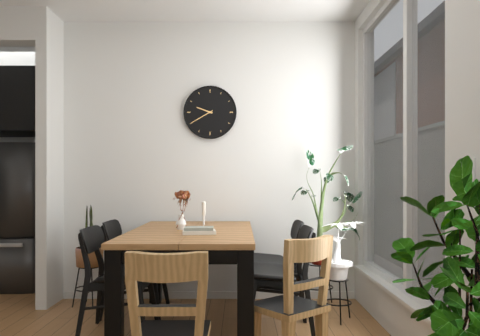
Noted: {"hour": 9, "minute": 40}
